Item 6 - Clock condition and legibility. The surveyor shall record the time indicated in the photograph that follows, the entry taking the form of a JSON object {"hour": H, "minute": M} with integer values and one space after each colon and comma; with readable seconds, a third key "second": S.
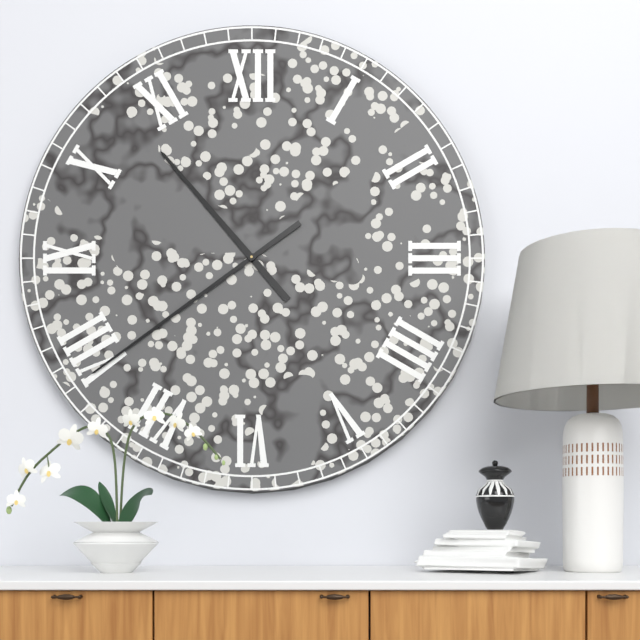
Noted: {"hour": 10, "minute": 39}
